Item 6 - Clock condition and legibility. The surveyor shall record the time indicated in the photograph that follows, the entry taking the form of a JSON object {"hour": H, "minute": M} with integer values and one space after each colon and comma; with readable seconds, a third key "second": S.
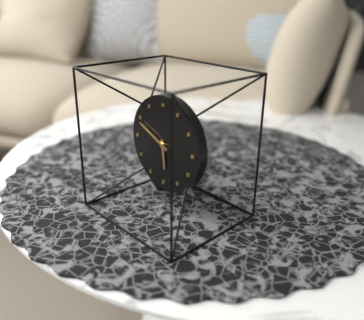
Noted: {"hour": 5, "minute": 49}
